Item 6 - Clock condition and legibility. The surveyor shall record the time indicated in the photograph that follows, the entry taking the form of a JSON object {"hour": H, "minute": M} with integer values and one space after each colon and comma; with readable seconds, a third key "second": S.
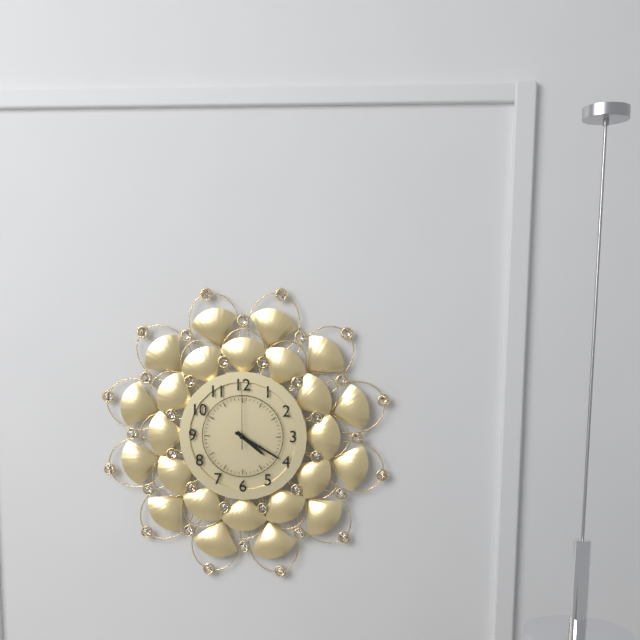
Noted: {"hour": 4, "minute": 20, "second": 0}
